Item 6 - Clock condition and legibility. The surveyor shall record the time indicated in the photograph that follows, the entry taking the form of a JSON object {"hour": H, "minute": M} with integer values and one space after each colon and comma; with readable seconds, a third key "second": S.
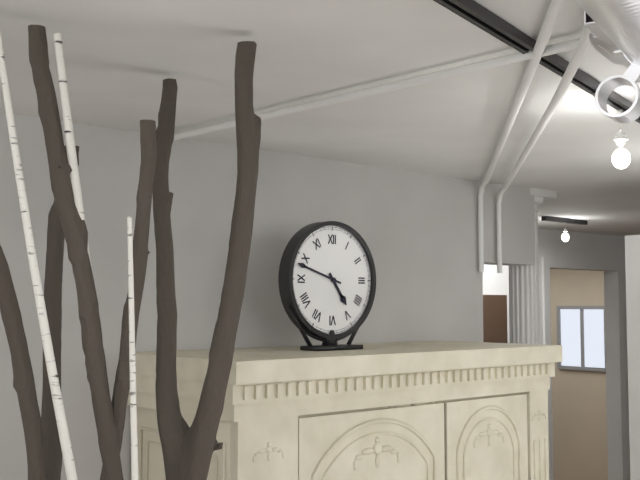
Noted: {"hour": 4, "minute": 48}
